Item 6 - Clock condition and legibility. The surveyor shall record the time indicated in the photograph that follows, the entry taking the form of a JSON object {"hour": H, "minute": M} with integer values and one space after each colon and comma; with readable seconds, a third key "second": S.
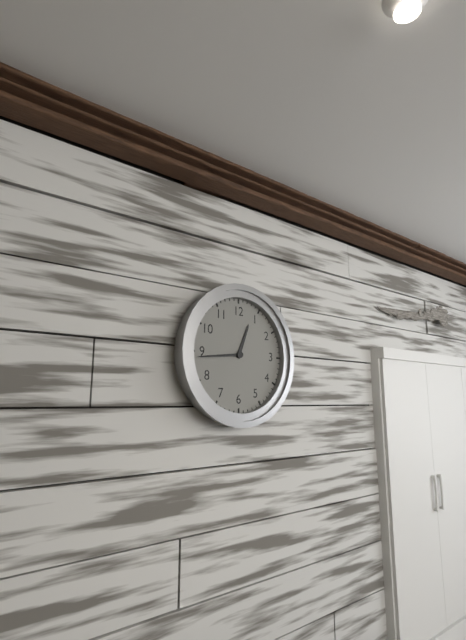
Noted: {"hour": 12, "minute": 44}
